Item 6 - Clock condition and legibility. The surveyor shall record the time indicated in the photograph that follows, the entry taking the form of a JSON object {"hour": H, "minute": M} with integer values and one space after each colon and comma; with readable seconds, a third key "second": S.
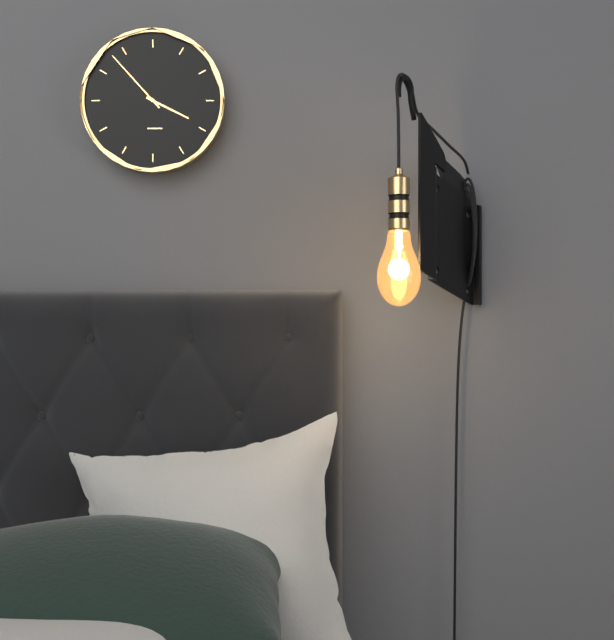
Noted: {"hour": 3, "minute": 53}
